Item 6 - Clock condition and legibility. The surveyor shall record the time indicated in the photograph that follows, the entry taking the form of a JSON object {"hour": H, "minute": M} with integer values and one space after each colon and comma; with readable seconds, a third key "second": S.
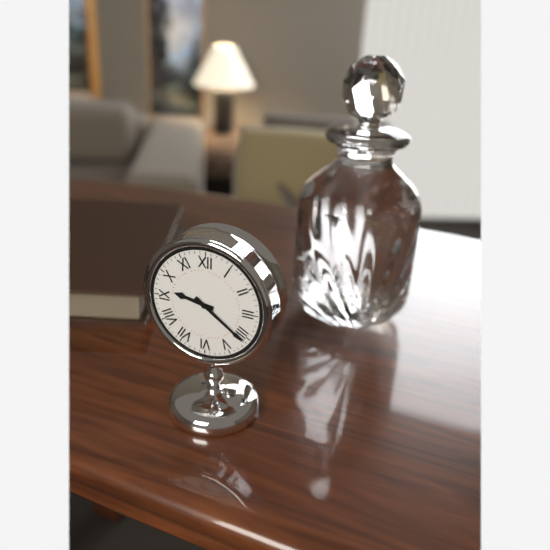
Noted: {"hour": 9, "minute": 21}
